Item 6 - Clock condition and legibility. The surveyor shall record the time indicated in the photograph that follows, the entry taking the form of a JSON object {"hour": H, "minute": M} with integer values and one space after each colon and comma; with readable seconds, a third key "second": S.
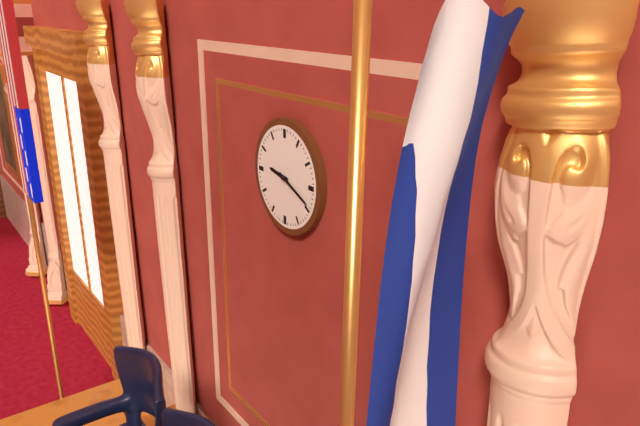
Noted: {"hour": 9, "minute": 19}
